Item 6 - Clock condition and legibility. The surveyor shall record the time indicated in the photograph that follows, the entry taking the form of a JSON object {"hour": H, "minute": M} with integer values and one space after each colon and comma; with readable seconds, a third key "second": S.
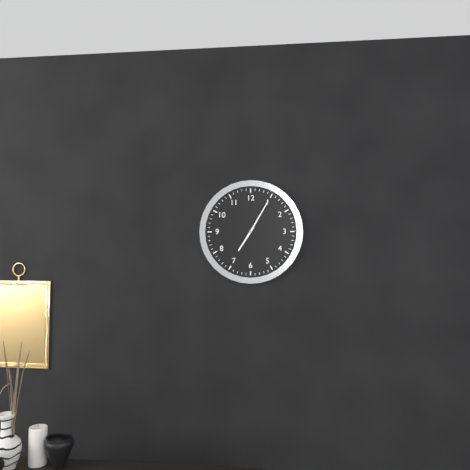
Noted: {"hour": 7, "minute": 5}
